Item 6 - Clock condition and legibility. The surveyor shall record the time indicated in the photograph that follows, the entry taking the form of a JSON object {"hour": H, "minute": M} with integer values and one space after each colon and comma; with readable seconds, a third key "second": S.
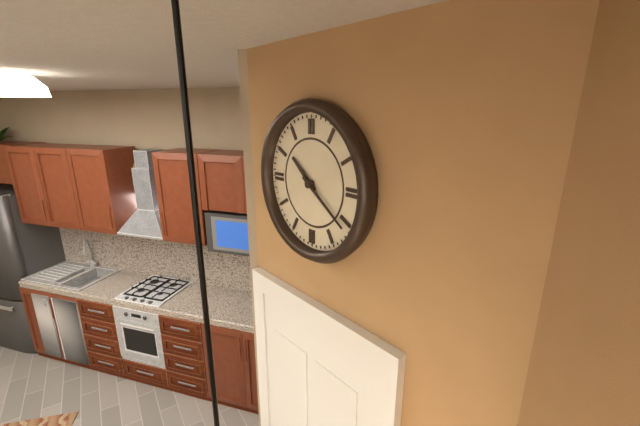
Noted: {"hour": 10, "minute": 21}
